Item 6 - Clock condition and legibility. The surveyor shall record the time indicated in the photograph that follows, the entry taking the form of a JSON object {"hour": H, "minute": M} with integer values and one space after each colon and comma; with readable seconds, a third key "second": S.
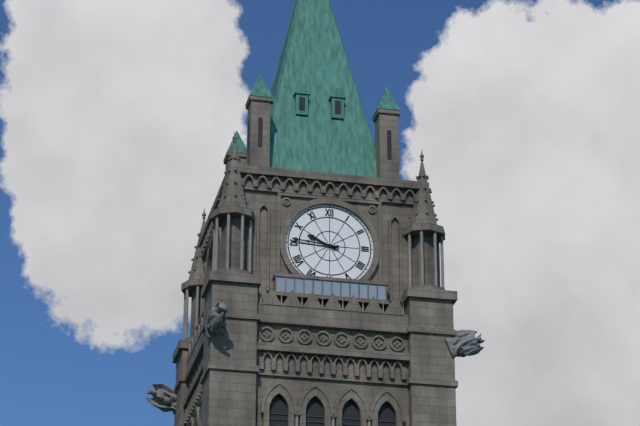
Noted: {"hour": 9, "minute": 46}
